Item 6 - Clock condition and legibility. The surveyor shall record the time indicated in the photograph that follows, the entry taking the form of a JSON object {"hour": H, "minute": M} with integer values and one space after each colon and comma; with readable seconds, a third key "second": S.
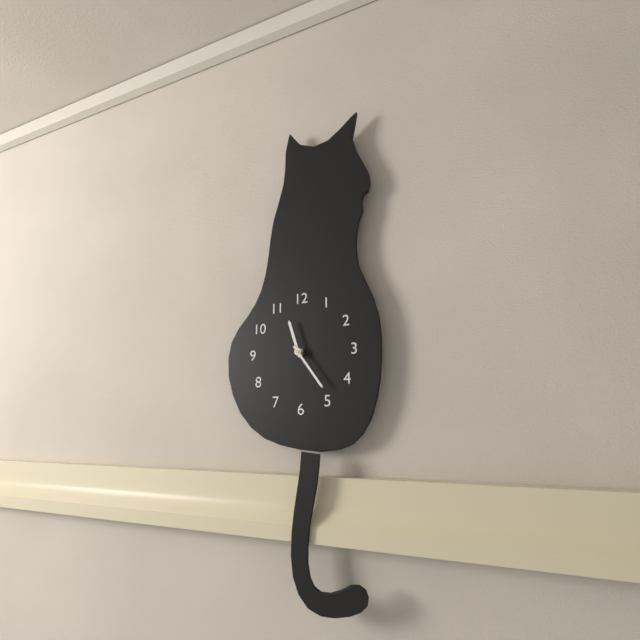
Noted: {"hour": 11, "minute": 24}
